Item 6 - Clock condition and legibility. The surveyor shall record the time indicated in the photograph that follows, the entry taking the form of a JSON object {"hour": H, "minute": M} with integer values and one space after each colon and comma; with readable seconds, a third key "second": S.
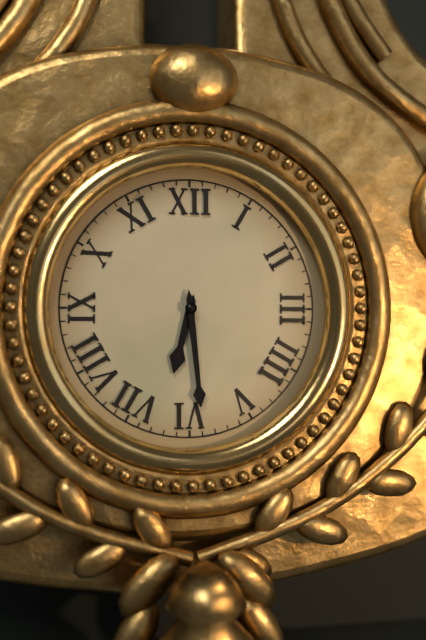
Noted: {"hour": 6, "minute": 29}
